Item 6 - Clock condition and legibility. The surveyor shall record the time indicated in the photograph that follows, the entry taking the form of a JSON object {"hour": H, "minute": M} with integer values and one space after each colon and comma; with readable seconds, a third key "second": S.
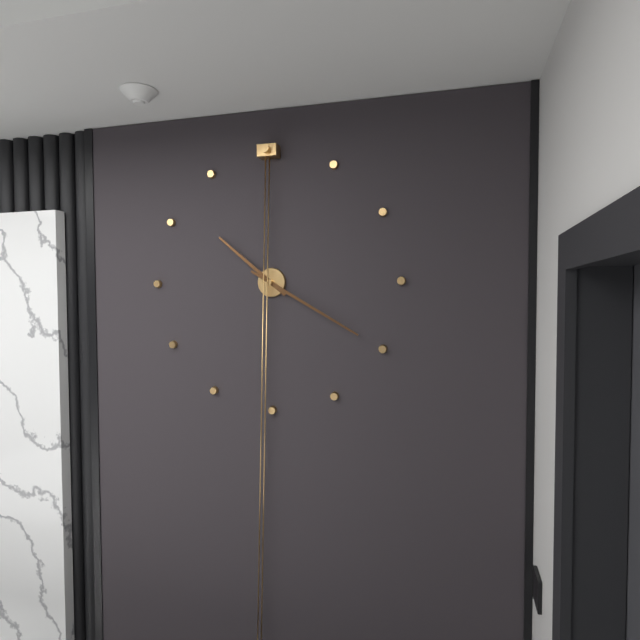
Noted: {"hour": 10, "minute": 20}
